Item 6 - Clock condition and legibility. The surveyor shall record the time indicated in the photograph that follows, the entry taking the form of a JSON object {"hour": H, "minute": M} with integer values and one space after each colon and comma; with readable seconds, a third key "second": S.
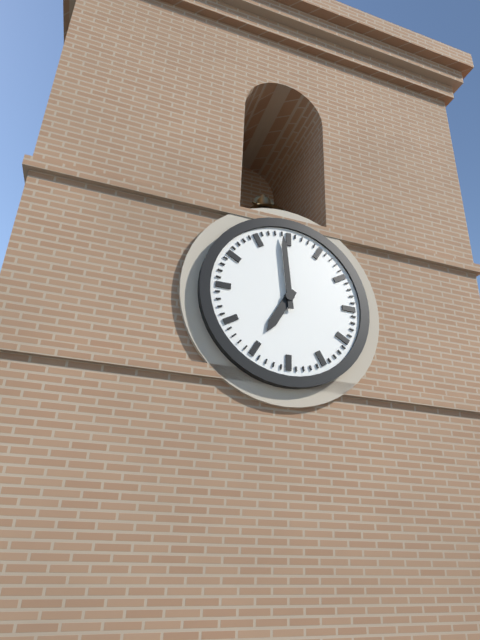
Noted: {"hour": 6, "minute": 59}
